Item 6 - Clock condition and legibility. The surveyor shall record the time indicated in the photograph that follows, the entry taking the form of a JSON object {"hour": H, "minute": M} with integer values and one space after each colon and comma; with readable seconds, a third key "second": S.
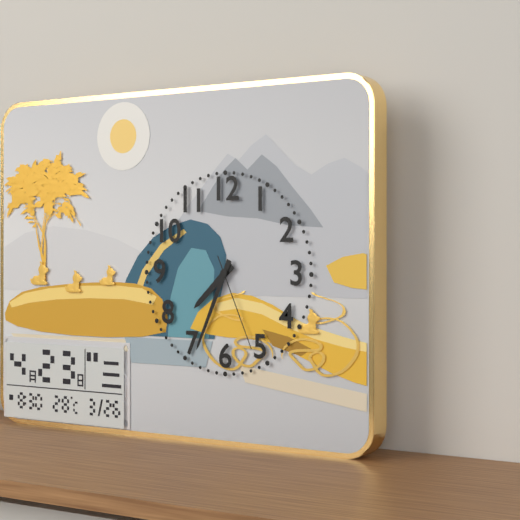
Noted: {"hour": 7, "minute": 34, "second": 26}
